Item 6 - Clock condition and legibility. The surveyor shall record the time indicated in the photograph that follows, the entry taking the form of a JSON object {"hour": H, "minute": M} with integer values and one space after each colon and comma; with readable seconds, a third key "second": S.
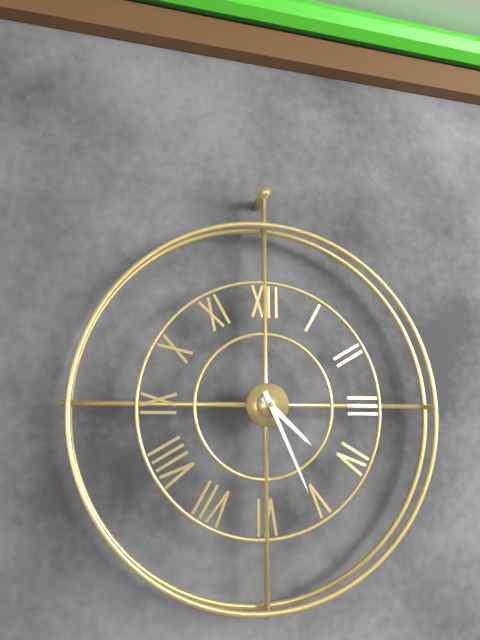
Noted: {"hour": 4, "minute": 26}
